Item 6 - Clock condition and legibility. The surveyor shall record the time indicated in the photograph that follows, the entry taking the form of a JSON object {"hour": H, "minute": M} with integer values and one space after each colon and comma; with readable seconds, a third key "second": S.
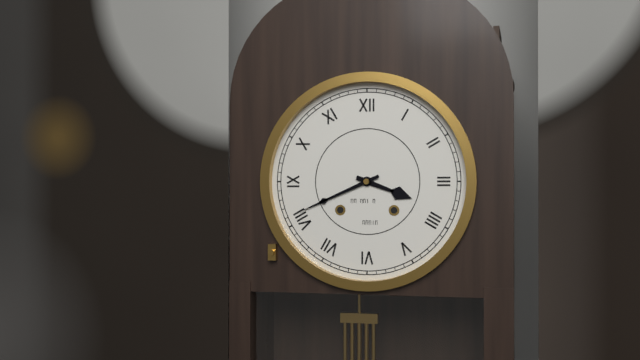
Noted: {"hour": 3, "minute": 41}
